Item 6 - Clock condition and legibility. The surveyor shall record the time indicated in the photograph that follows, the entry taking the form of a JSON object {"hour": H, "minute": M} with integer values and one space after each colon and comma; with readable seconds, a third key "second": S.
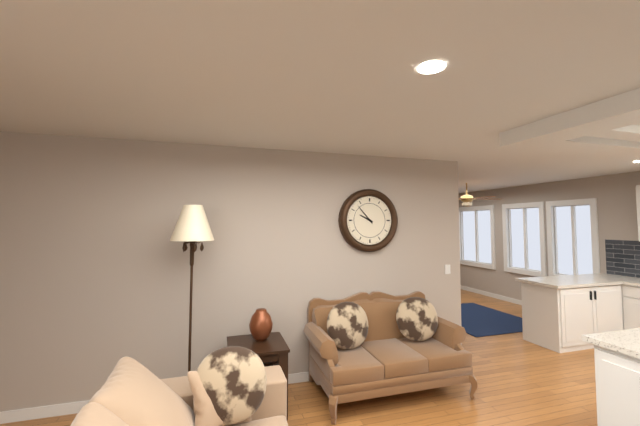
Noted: {"hour": 9, "minute": 53}
